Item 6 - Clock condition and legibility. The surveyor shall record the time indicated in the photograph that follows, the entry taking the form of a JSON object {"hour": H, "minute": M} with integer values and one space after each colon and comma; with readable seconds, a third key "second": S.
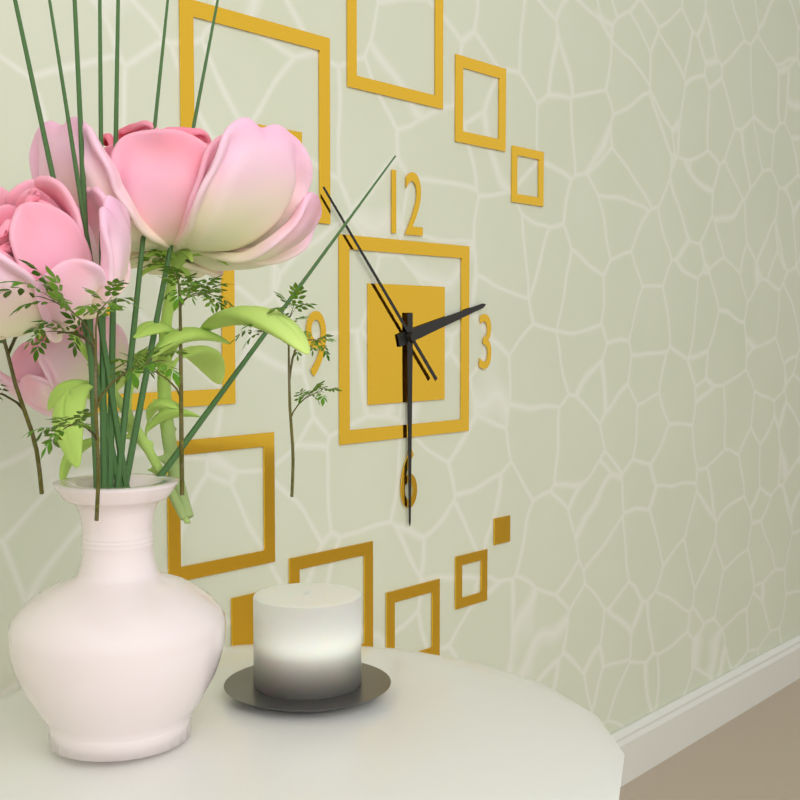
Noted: {"hour": 2, "minute": 30, "second": 53}
